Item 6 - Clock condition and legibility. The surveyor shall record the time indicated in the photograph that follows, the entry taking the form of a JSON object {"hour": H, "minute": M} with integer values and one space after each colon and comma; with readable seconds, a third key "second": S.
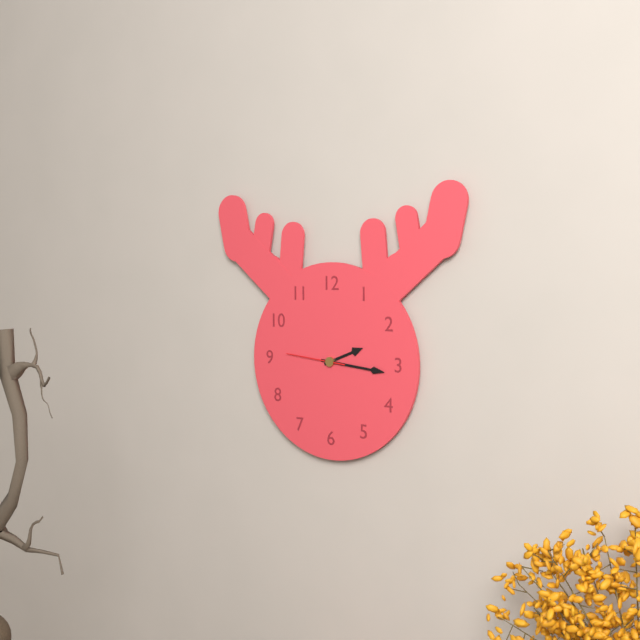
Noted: {"hour": 2, "minute": 16, "second": 46}
